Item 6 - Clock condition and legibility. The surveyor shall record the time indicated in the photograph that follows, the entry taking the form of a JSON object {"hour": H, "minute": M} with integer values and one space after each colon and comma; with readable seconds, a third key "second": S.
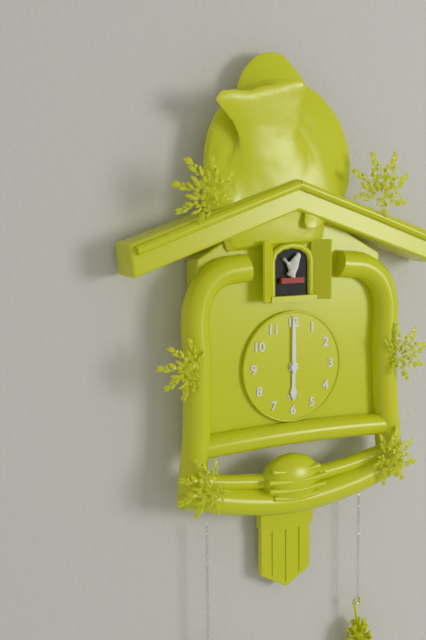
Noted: {"hour": 6, "minute": 0}
